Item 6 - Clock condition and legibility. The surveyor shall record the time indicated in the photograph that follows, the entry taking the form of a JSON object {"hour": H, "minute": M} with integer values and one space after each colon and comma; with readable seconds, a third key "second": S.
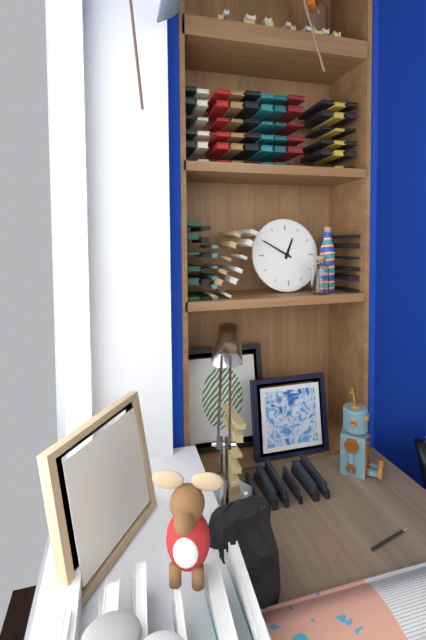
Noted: {"hour": 12, "minute": 50}
